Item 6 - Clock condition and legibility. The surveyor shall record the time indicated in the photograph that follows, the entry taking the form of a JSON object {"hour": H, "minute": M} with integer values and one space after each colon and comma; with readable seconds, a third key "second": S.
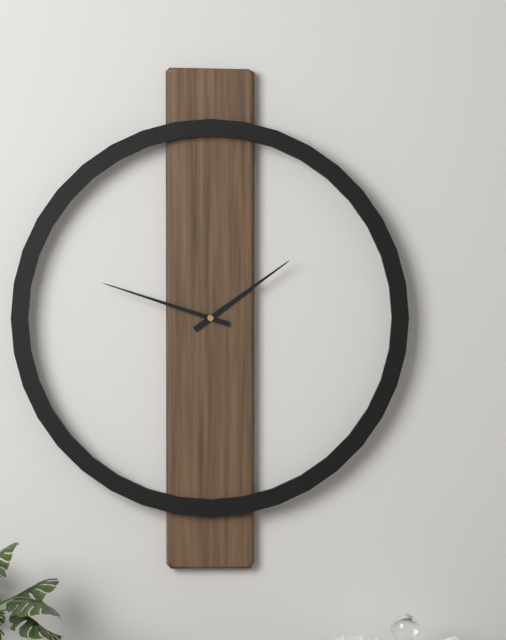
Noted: {"hour": 1, "minute": 48}
